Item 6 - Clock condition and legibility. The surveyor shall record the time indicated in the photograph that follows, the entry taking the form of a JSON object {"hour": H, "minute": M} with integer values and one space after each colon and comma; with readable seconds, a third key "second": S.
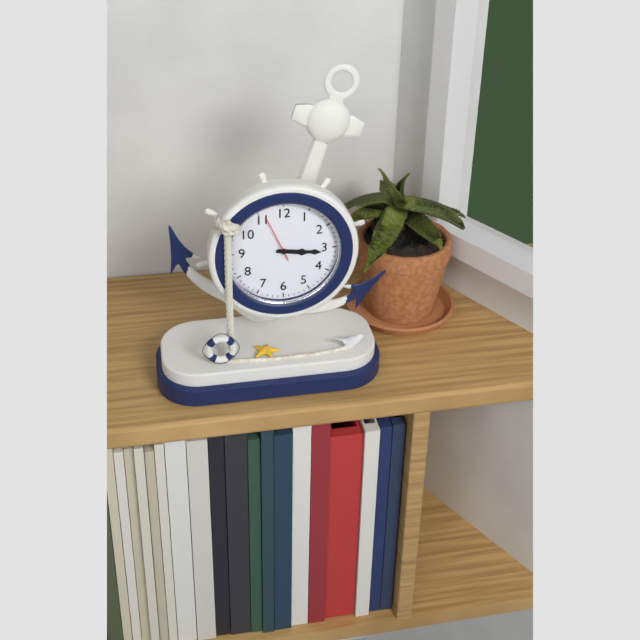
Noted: {"hour": 3, "minute": 16}
